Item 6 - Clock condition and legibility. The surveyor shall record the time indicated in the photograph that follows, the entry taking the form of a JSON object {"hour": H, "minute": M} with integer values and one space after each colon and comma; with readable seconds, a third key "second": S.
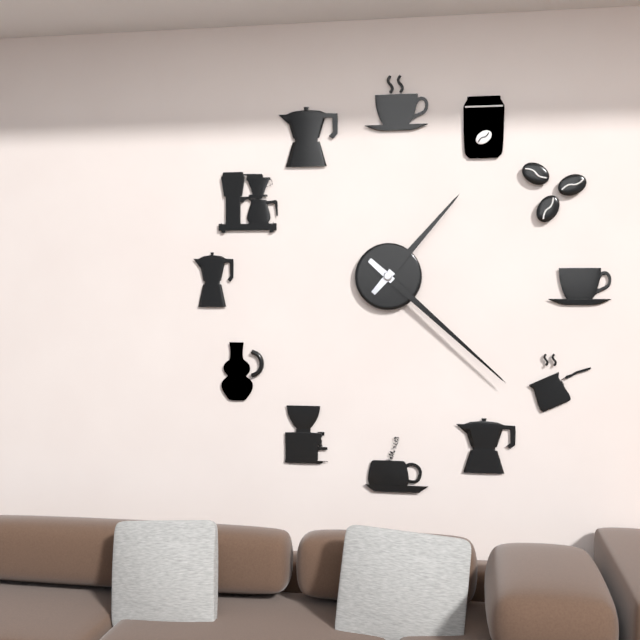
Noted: {"hour": 1, "minute": 22}
